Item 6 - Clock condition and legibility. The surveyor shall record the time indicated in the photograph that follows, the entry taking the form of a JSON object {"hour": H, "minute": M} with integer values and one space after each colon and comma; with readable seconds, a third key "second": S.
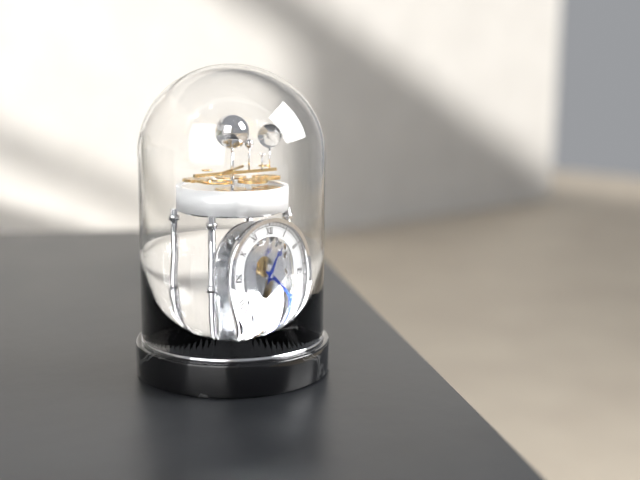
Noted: {"hour": 1, "minute": 19}
